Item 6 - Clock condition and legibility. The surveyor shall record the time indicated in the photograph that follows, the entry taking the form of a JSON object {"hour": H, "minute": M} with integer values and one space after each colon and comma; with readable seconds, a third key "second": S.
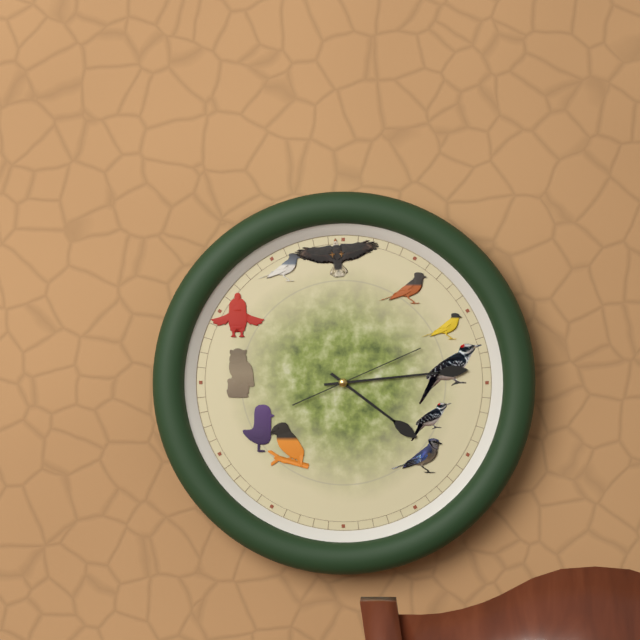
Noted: {"hour": 4, "minute": 14, "second": 11}
